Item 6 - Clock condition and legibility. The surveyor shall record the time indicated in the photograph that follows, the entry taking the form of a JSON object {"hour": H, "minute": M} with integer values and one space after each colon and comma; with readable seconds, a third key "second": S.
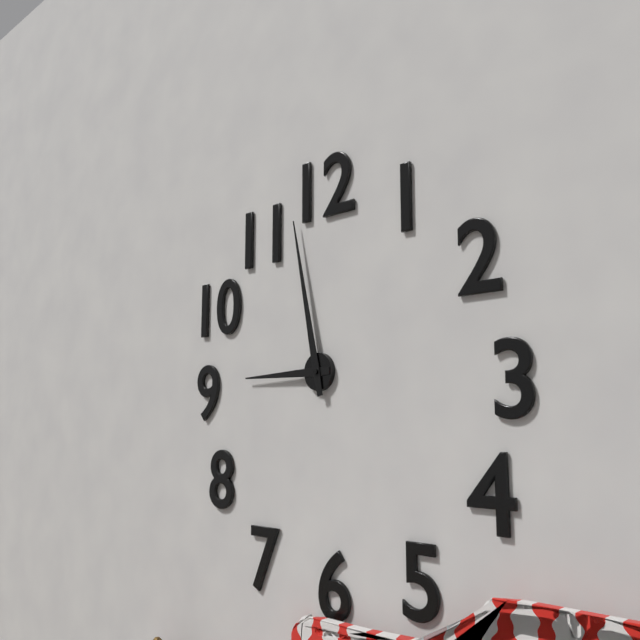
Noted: {"hour": 8, "minute": 58}
